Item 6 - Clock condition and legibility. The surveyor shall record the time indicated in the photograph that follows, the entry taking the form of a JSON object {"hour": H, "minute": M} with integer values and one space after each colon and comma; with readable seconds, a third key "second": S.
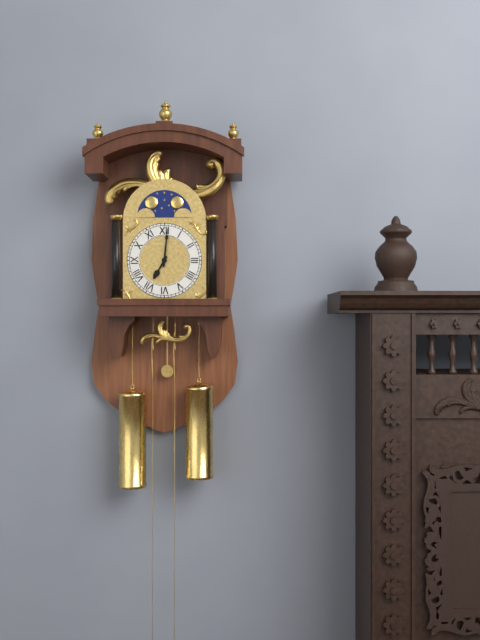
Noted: {"hour": 7, "minute": 1}
